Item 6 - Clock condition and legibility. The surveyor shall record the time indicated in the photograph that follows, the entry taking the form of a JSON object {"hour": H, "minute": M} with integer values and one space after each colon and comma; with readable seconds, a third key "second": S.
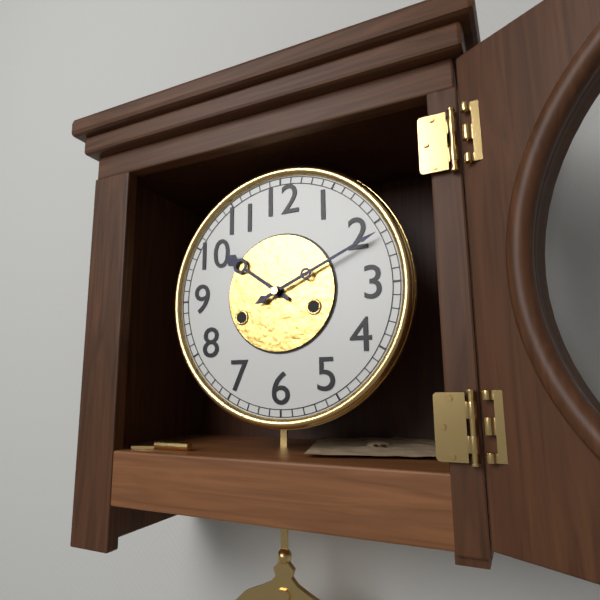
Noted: {"hour": 10, "minute": 11}
